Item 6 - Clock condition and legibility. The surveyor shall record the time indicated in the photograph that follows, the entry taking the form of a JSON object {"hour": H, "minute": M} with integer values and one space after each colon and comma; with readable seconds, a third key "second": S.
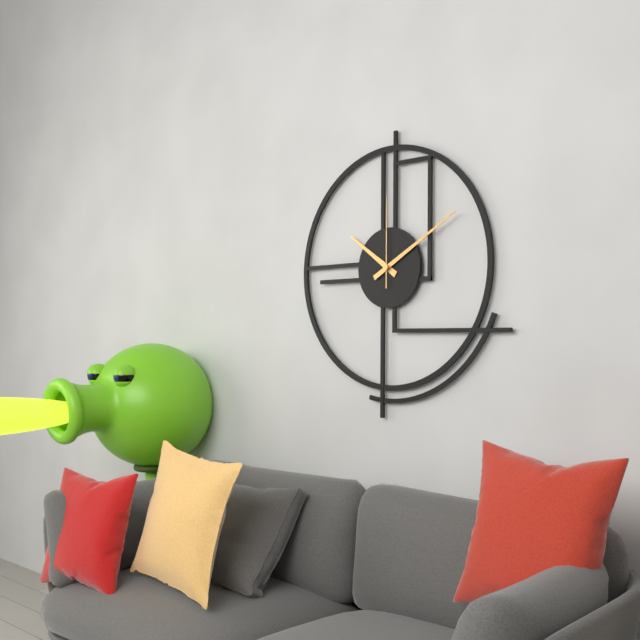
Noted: {"hour": 10, "minute": 10, "second": 0}
